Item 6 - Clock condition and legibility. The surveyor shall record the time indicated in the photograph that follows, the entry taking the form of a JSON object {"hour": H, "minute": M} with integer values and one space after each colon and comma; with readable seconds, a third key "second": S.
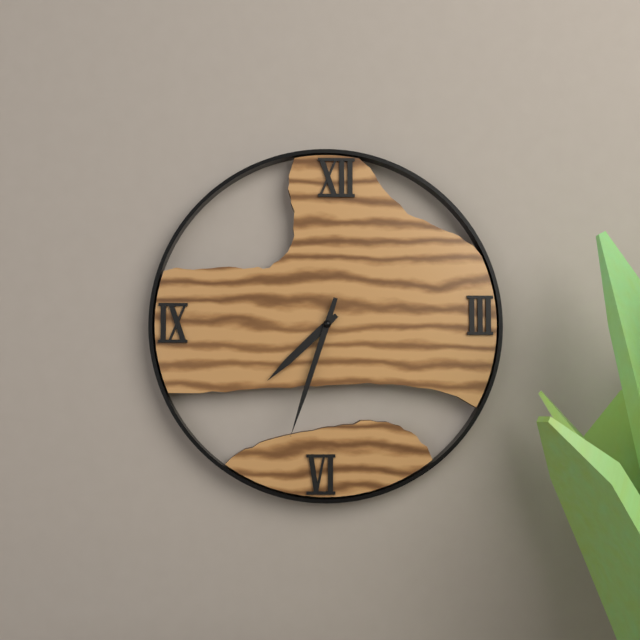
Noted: {"hour": 7, "minute": 33}
